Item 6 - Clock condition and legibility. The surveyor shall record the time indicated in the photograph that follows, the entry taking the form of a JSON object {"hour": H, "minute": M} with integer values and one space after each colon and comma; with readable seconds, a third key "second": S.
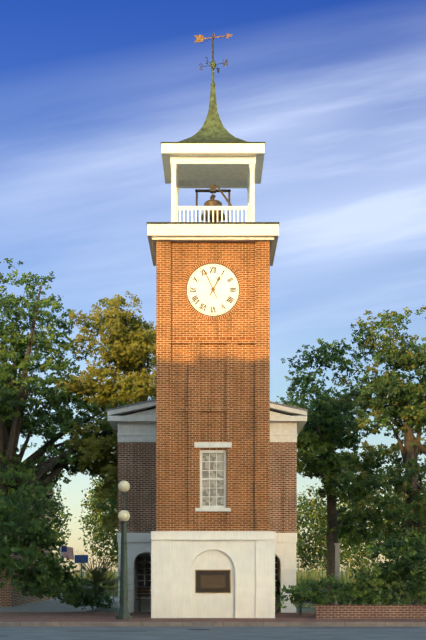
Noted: {"hour": 12, "minute": 56}
